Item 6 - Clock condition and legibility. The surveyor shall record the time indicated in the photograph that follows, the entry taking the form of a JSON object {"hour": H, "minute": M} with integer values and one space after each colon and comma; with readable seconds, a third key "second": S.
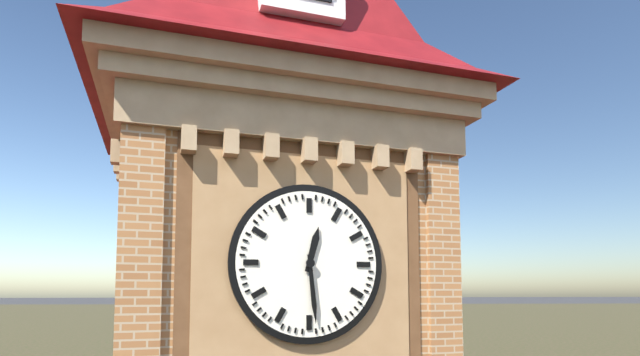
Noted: {"hour": 12, "minute": 29}
